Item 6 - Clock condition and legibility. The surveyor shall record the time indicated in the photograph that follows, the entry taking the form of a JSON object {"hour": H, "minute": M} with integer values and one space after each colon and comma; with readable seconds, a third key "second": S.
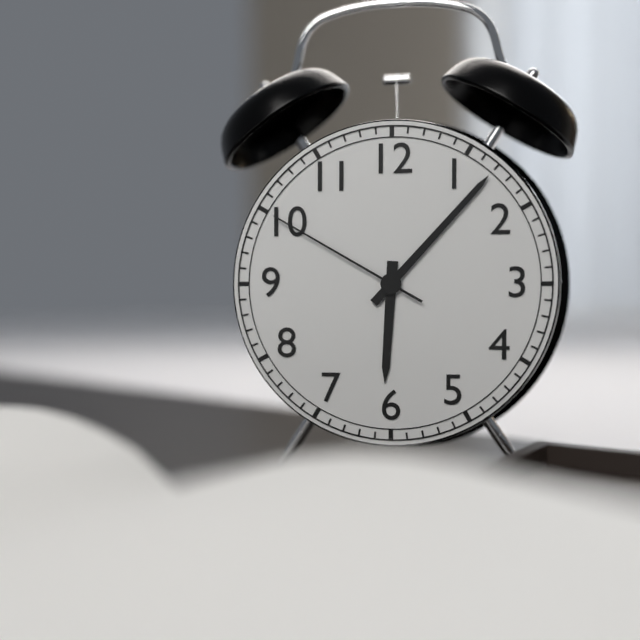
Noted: {"hour": 6, "minute": 7, "second": 50}
